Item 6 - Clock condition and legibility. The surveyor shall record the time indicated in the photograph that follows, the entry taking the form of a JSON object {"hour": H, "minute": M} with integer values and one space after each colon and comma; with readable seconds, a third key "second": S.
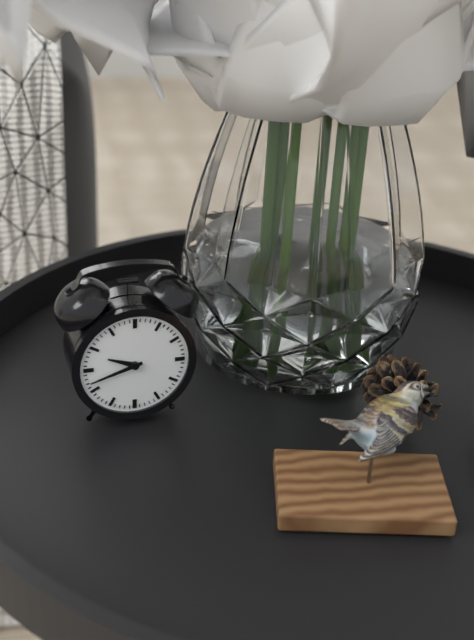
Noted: {"hour": 9, "minute": 42}
